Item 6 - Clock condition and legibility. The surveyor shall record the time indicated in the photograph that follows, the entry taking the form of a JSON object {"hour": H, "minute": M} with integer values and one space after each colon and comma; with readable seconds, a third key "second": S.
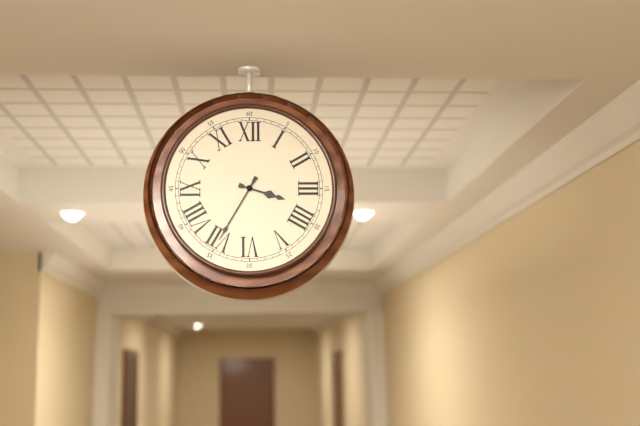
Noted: {"hour": 3, "minute": 35}
